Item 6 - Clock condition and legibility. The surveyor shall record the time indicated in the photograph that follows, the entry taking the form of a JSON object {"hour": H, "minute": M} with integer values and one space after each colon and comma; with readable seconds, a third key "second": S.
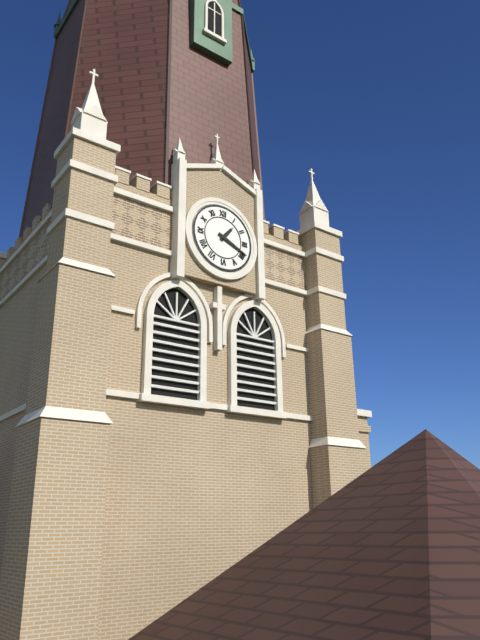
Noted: {"hour": 1, "minute": 19}
